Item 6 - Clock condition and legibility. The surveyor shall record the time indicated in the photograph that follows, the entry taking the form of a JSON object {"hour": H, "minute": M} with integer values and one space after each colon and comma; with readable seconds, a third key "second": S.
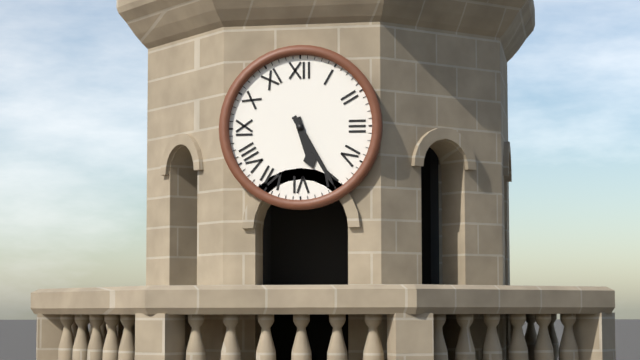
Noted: {"hour": 5, "minute": 25}
